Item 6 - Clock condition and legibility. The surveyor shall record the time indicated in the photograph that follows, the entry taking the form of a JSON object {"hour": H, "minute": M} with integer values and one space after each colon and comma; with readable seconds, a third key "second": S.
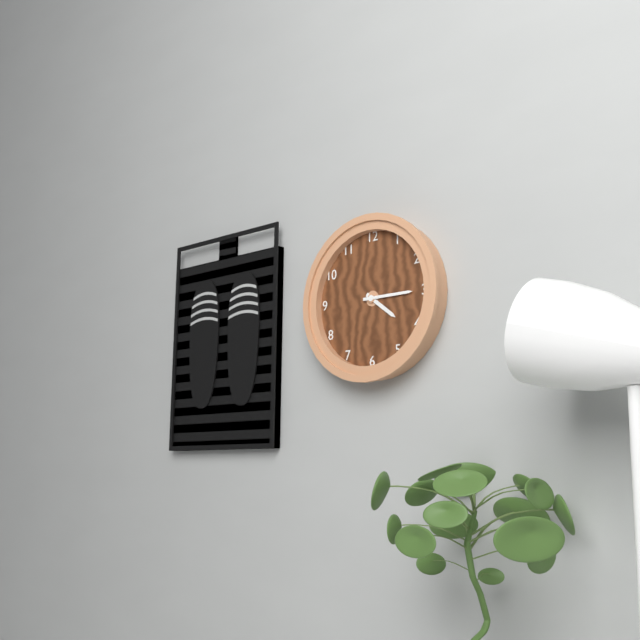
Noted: {"hour": 4, "minute": 15}
